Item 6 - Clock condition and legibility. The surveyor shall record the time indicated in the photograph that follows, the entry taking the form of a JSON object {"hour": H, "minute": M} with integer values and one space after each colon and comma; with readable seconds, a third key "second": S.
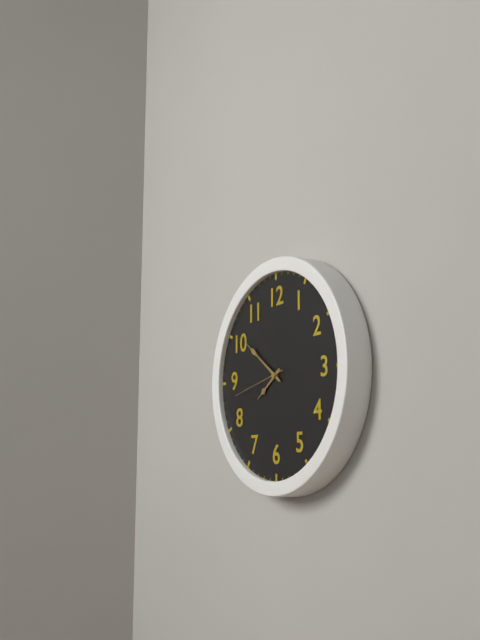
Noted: {"hour": 7, "minute": 51, "second": 43}
